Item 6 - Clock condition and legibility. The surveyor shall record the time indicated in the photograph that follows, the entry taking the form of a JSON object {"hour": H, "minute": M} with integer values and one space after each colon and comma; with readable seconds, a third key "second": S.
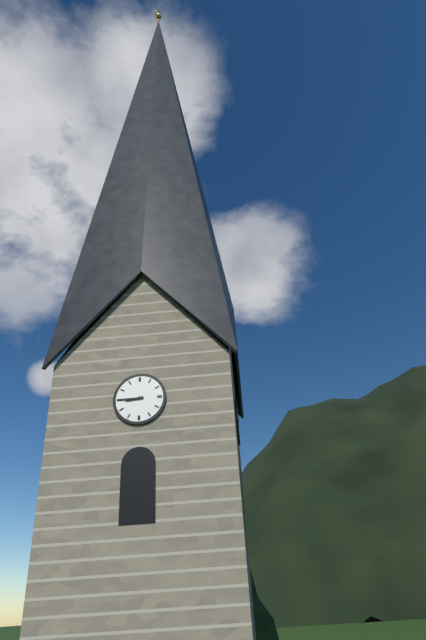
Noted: {"hour": 8, "minute": 45}
